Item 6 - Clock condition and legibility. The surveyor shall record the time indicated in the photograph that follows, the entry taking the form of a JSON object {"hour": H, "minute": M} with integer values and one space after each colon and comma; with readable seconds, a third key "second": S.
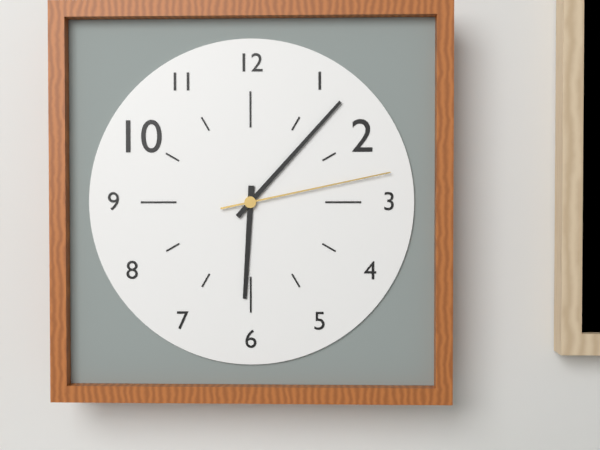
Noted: {"hour": 6, "minute": 7, "second": 13}
